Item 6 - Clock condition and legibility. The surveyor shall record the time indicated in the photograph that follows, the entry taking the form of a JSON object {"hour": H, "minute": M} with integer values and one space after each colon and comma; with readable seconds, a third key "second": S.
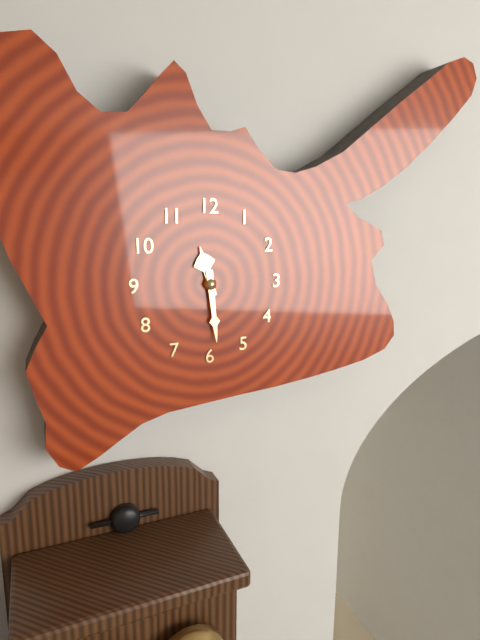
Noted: {"hour": 11, "minute": 29}
